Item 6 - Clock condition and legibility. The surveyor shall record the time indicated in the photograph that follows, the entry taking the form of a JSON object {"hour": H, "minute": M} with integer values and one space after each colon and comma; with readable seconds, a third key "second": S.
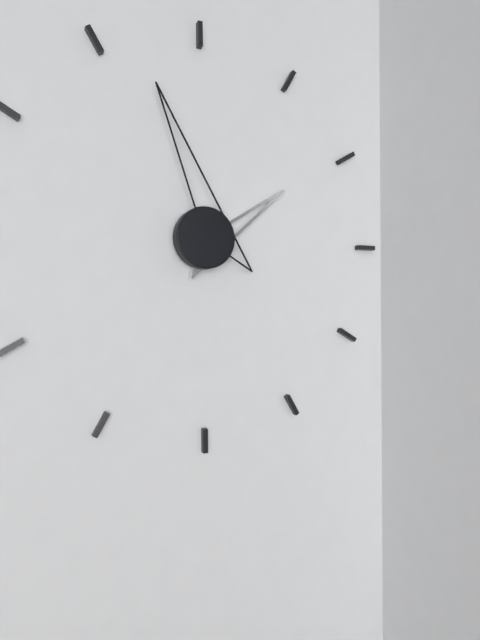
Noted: {"hour": 1, "minute": 57}
